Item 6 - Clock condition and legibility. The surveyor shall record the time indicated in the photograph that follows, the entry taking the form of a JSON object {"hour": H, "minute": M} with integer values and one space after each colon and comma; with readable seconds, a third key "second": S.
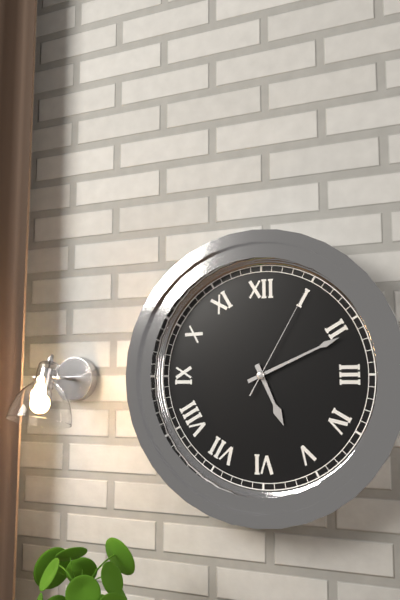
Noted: {"hour": 5, "minute": 11, "second": 5}
